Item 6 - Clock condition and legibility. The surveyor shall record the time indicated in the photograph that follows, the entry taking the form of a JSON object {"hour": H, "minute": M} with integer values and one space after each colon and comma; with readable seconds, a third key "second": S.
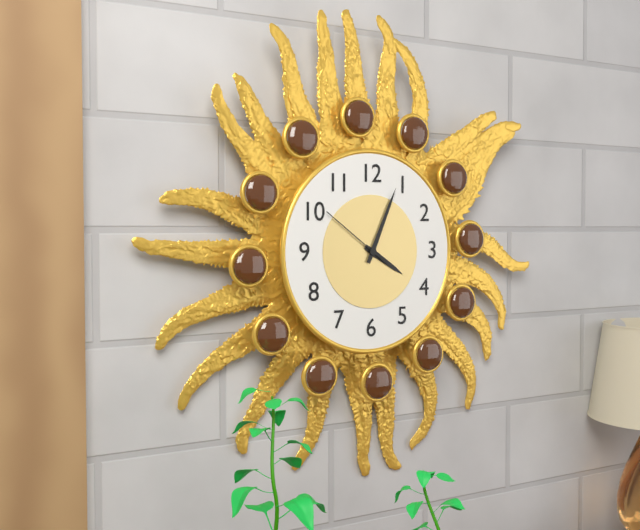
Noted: {"hour": 4, "minute": 4, "second": 51}
